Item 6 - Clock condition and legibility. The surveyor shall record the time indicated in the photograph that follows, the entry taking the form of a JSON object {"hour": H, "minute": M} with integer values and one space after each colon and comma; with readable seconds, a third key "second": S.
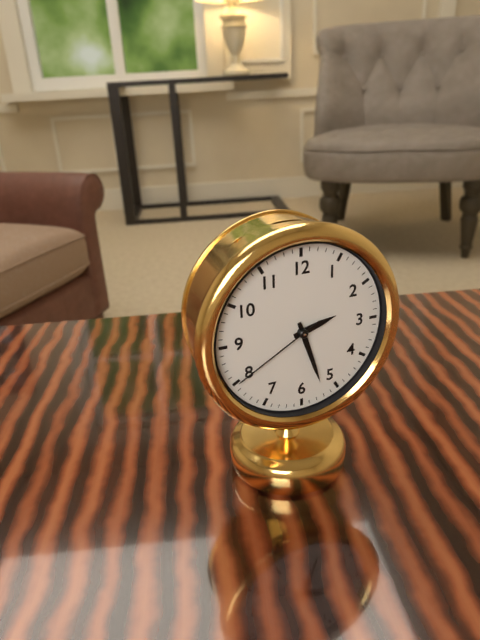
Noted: {"hour": 2, "minute": 27, "second": 40}
